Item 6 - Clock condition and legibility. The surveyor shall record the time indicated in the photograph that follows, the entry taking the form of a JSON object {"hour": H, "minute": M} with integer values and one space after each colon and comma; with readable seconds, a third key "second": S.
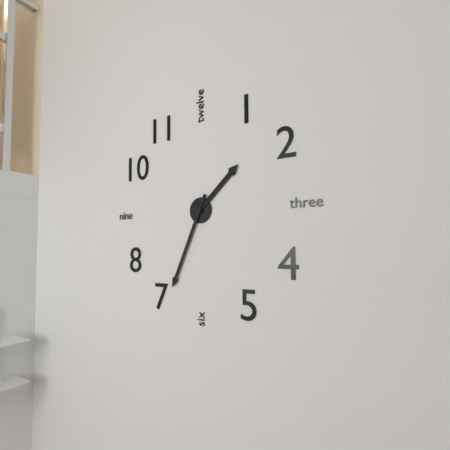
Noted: {"hour": 1, "minute": 34}
